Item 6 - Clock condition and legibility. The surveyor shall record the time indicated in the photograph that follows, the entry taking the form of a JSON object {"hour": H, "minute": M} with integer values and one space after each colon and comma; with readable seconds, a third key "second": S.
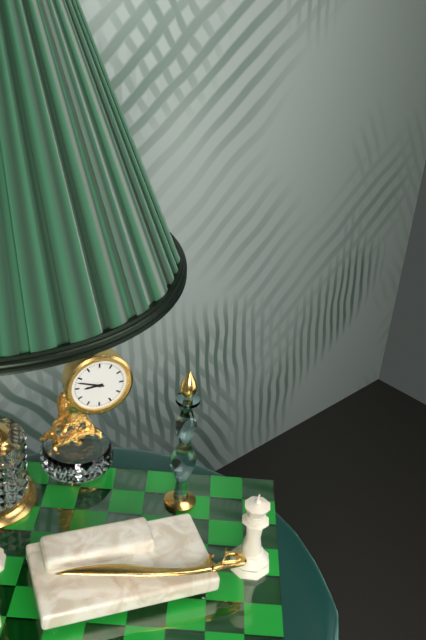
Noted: {"hour": 8, "minute": 48}
